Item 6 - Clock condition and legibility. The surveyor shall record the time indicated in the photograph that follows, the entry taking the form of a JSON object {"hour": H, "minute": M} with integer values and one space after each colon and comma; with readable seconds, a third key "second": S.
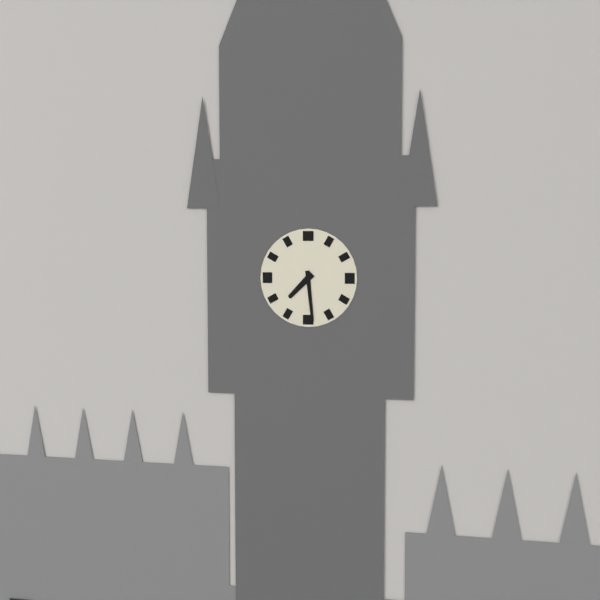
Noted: {"hour": 7, "minute": 29}
